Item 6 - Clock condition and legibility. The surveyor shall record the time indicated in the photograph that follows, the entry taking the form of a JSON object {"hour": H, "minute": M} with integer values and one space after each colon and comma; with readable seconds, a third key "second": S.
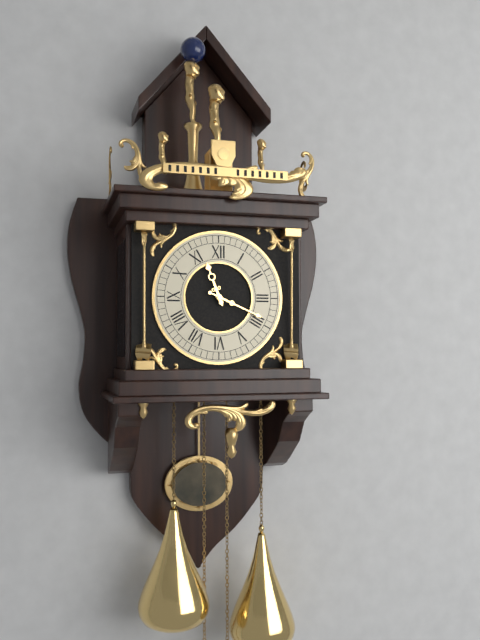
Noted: {"hour": 11, "minute": 19}
